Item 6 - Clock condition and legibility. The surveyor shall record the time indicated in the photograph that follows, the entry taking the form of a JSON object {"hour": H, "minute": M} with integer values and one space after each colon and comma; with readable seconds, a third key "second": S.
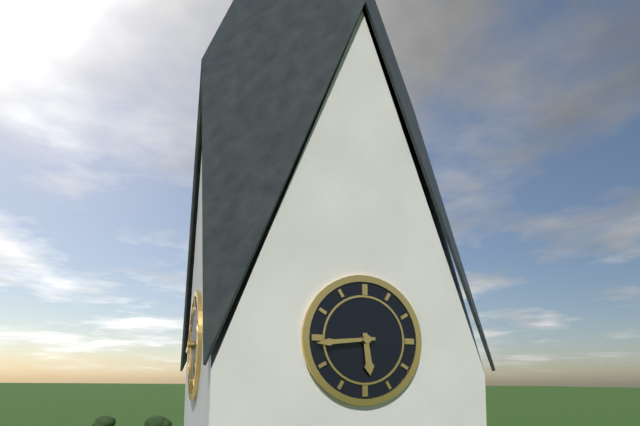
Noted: {"hour": 5, "minute": 44}
